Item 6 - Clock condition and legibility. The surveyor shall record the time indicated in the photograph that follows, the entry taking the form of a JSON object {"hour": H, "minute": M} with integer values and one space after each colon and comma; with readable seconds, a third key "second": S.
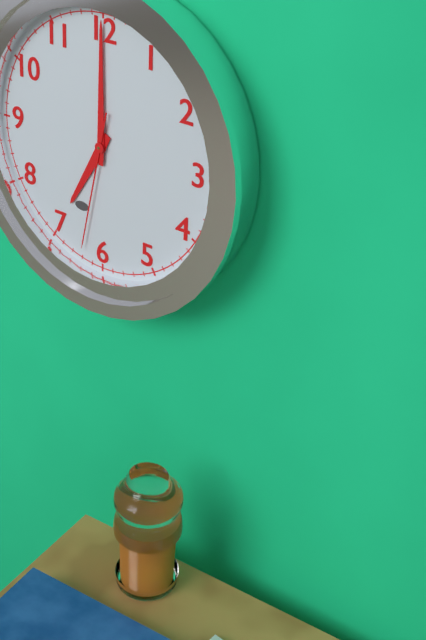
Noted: {"hour": 7, "minute": 0, "second": 32}
